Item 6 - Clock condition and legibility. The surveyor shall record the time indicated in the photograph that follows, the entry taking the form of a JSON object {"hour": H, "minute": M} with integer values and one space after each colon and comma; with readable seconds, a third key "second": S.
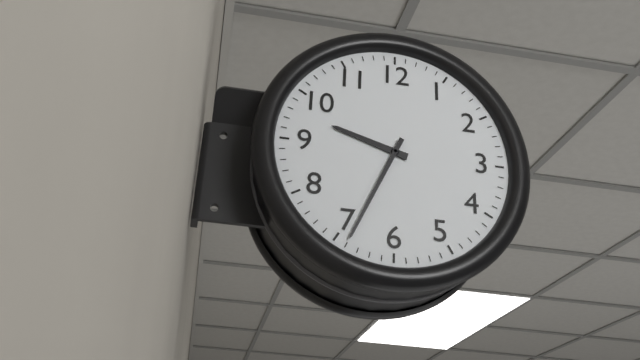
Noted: {"hour": 9, "minute": 34}
